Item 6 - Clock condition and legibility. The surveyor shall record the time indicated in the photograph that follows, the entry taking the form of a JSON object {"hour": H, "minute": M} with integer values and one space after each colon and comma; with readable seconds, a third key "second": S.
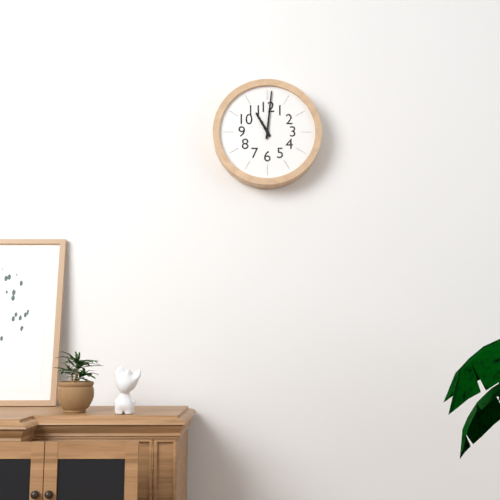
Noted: {"hour": 11, "minute": 1}
